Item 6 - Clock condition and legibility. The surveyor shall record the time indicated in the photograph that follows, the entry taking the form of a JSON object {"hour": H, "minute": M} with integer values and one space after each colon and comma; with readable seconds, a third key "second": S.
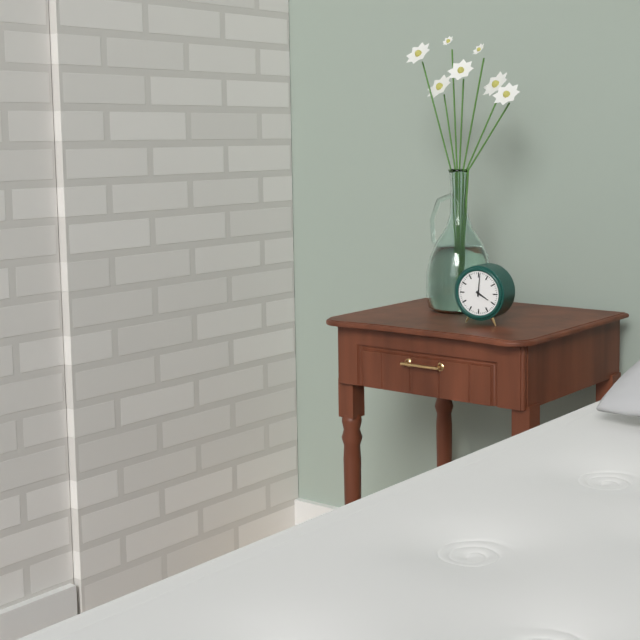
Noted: {"hour": 4, "minute": 1}
